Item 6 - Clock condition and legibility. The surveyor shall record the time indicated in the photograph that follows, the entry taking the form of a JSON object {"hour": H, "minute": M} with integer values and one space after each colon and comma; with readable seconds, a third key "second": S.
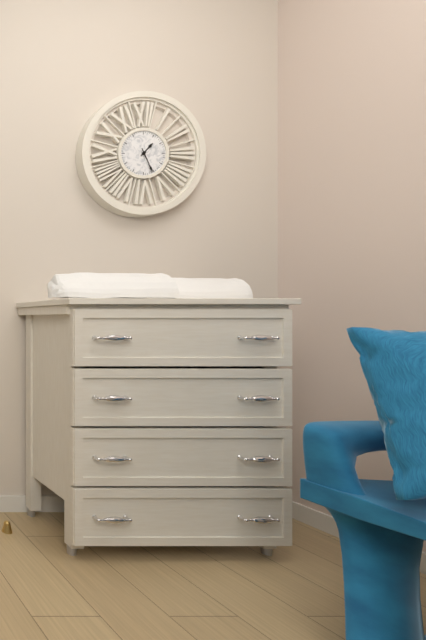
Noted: {"hour": 1, "minute": 26}
